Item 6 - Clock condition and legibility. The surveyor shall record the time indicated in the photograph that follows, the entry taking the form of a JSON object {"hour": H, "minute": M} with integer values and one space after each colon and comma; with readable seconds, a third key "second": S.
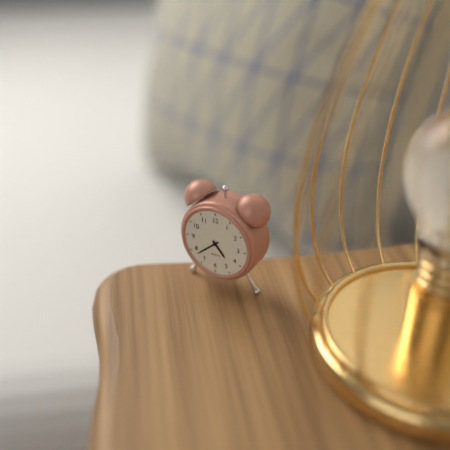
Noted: {"hour": 4, "minute": 38}
